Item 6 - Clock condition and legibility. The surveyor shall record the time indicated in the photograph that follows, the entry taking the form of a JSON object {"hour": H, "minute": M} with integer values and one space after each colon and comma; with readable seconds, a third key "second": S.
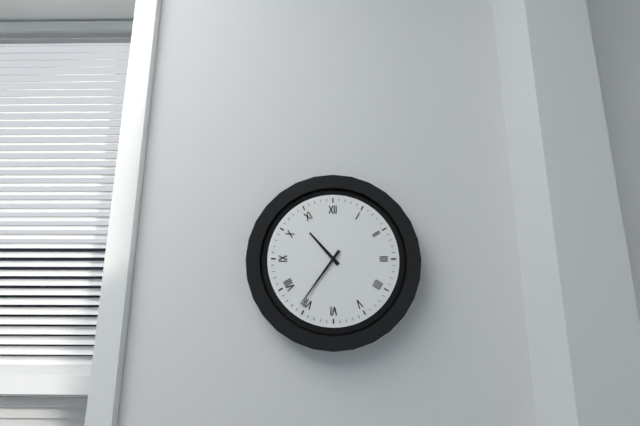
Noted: {"hour": 10, "minute": 36}
